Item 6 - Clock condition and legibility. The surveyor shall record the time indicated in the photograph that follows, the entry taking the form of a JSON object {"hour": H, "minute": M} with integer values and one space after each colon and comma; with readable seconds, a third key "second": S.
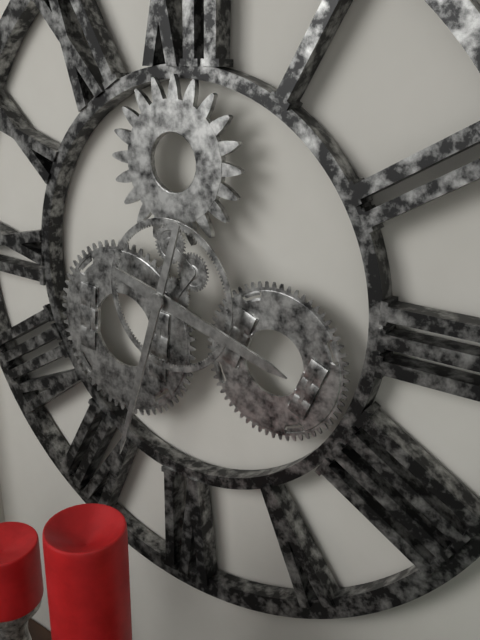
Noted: {"hour": 3, "minute": 33}
